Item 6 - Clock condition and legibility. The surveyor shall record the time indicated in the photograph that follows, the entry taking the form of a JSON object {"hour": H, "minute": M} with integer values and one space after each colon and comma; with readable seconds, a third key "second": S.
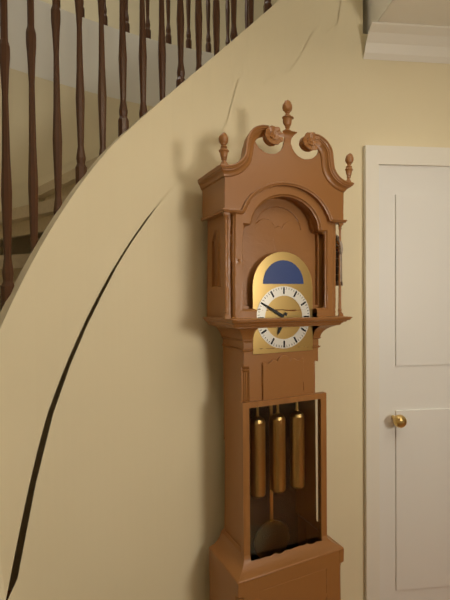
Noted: {"hour": 6, "minute": 50}
